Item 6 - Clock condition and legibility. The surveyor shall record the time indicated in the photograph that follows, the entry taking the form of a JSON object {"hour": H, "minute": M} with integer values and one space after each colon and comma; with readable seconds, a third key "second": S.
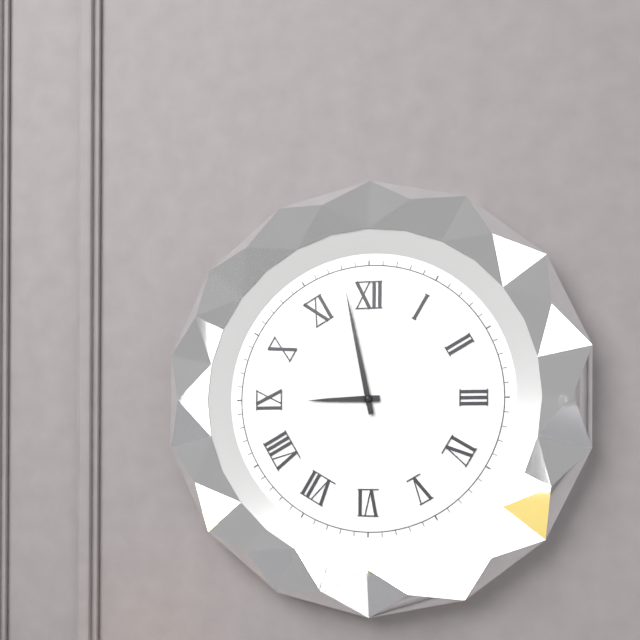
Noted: {"hour": 8, "minute": 58}
